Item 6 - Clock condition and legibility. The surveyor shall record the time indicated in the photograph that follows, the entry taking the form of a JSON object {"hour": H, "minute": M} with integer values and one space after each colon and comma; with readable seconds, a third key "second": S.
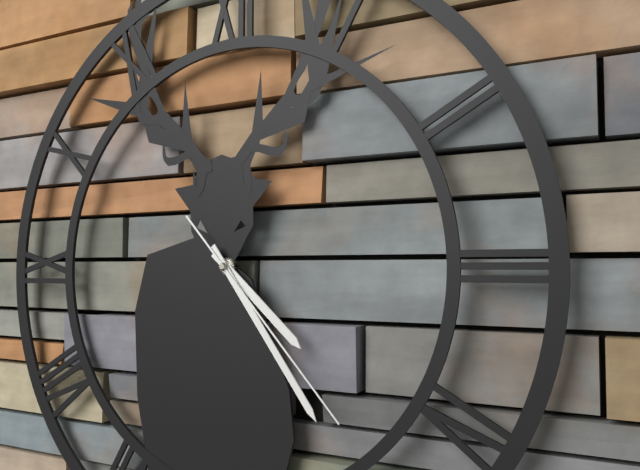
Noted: {"hour": 4, "minute": 24, "second": 23}
